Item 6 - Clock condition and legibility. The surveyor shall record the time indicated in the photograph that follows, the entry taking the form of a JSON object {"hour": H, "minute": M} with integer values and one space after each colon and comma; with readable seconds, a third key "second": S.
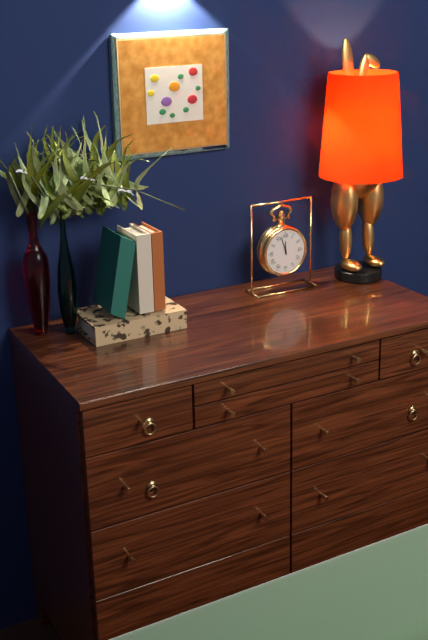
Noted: {"hour": 11, "minute": 57}
